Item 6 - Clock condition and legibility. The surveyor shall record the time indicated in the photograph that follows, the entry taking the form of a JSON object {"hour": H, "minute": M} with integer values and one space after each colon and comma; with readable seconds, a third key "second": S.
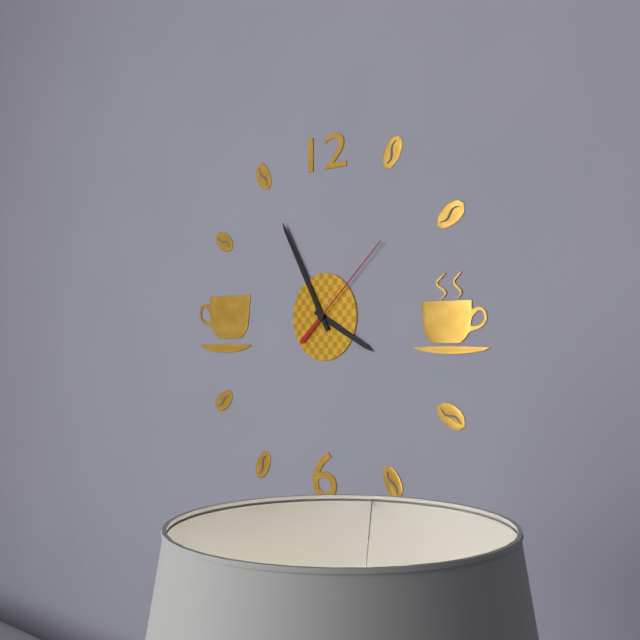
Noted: {"hour": 3, "minute": 55, "second": 8}
